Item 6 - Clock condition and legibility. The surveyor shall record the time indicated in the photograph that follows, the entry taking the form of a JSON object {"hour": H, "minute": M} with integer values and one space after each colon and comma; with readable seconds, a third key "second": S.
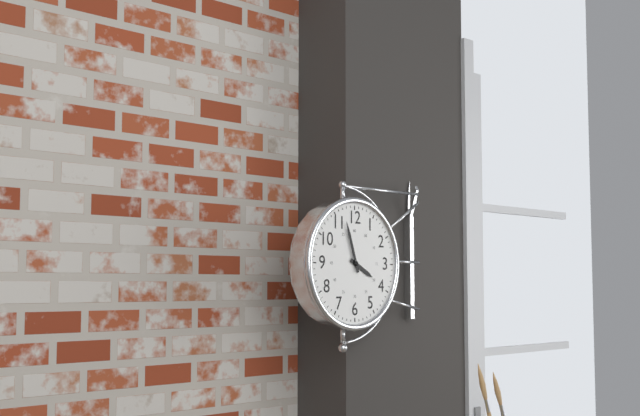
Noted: {"hour": 3, "minute": 57}
